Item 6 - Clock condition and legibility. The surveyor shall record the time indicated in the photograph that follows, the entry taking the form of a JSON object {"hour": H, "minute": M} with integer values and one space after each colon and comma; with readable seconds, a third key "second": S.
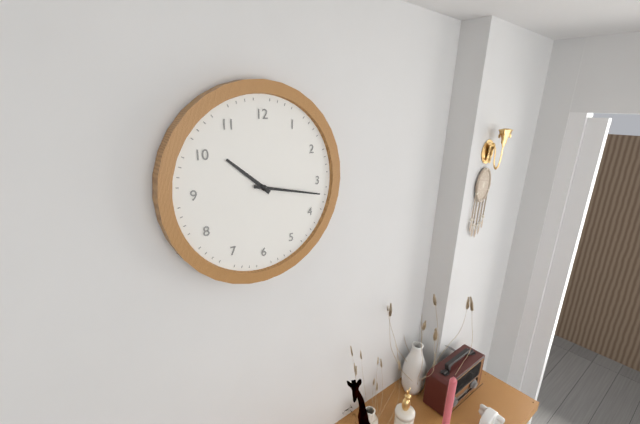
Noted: {"hour": 10, "minute": 17}
